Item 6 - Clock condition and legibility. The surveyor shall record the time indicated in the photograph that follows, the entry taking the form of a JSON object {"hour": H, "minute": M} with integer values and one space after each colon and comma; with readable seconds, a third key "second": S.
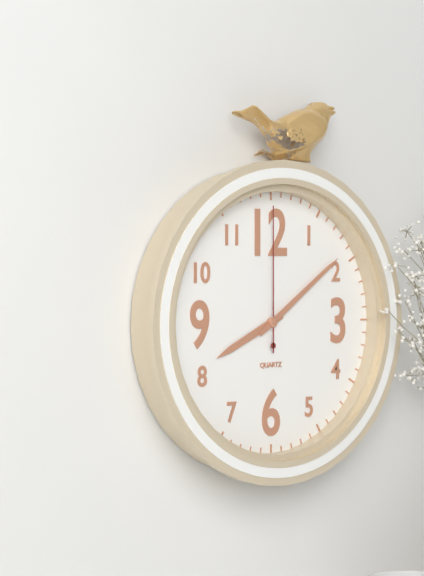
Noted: {"hour": 8, "minute": 9, "second": 0}
